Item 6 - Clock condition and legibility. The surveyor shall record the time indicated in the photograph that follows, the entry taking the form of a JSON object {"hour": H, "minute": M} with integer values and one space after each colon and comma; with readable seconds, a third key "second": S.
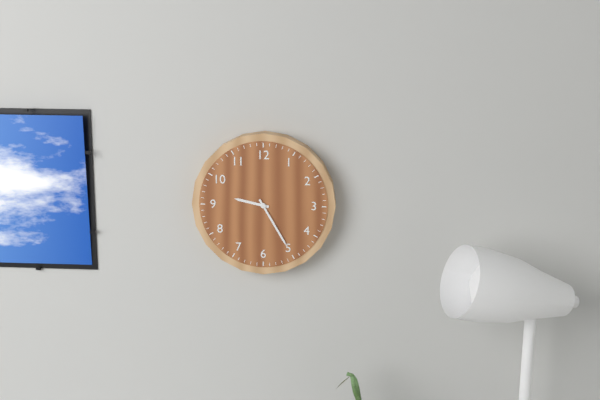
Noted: {"hour": 9, "minute": 25}
